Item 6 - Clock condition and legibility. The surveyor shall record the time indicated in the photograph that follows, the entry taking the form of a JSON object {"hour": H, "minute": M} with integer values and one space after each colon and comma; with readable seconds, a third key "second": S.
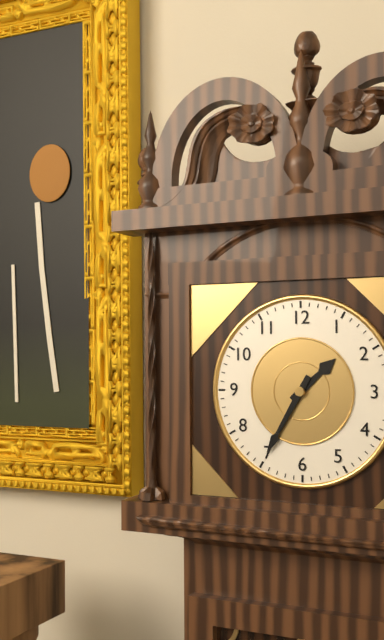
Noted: {"hour": 1, "minute": 35}
